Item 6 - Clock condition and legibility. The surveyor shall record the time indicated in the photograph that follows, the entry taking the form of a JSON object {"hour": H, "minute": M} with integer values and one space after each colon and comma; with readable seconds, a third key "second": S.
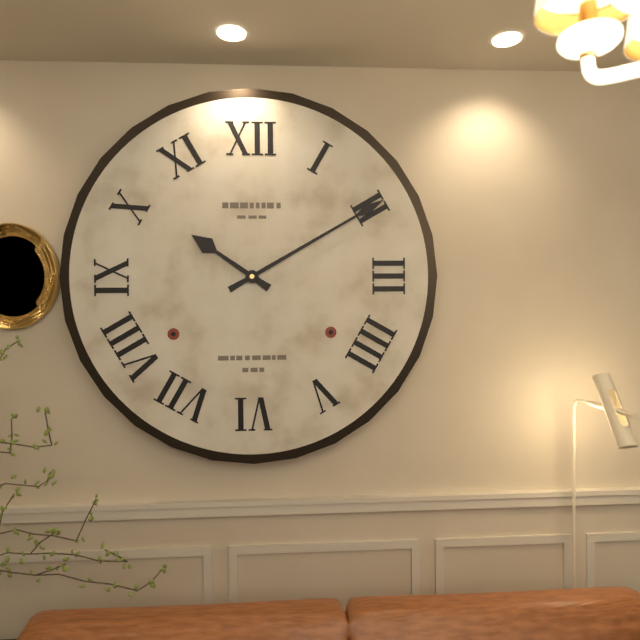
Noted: {"hour": 10, "minute": 10}
